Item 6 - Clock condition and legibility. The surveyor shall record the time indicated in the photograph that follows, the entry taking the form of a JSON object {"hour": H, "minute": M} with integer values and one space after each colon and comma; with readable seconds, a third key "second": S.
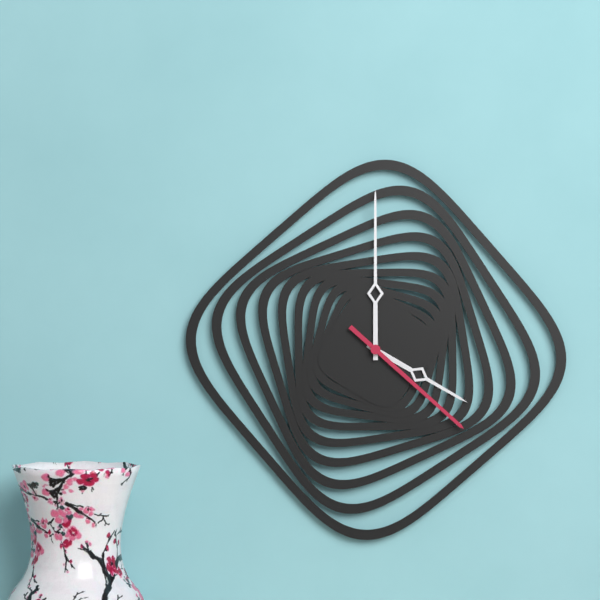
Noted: {"hour": 4, "minute": 0, "second": 22}
